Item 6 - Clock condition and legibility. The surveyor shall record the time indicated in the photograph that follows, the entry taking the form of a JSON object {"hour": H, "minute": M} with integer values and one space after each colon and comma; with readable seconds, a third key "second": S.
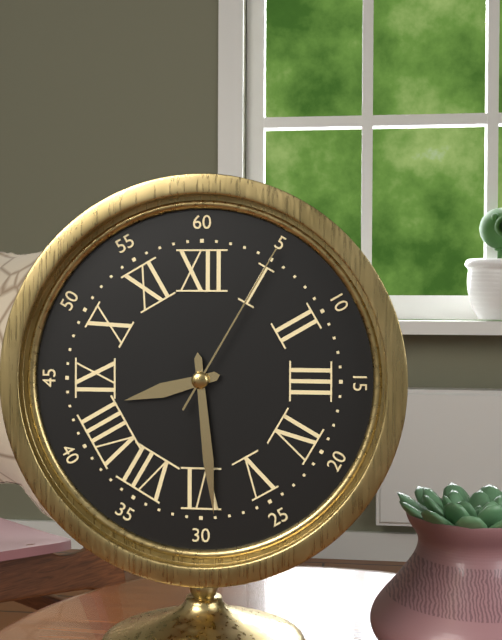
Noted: {"hour": 8, "minute": 29, "second": 5}
